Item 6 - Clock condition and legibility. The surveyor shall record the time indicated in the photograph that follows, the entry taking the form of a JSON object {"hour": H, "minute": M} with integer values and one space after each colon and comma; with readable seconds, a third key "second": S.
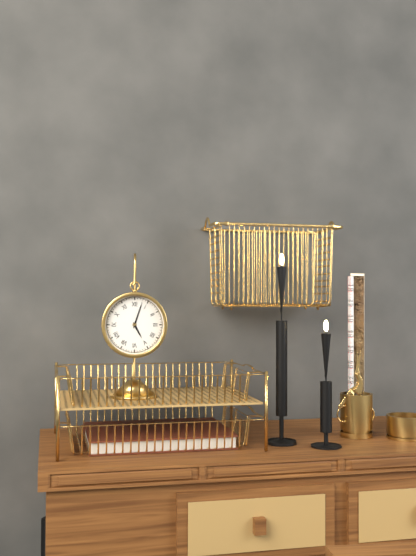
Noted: {"hour": 5, "minute": 3}
